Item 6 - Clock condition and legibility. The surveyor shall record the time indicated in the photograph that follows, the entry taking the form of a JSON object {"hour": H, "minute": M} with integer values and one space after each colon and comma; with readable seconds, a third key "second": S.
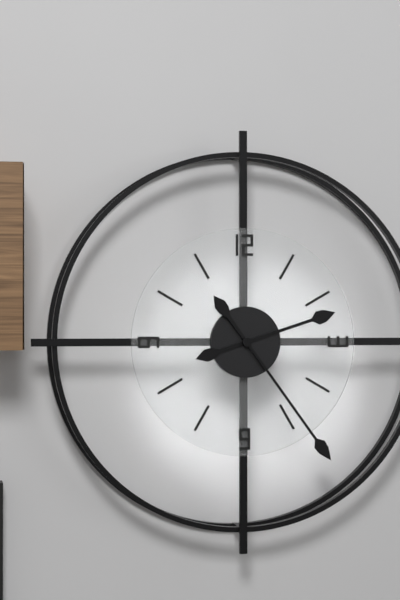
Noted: {"hour": 2, "minute": 24}
